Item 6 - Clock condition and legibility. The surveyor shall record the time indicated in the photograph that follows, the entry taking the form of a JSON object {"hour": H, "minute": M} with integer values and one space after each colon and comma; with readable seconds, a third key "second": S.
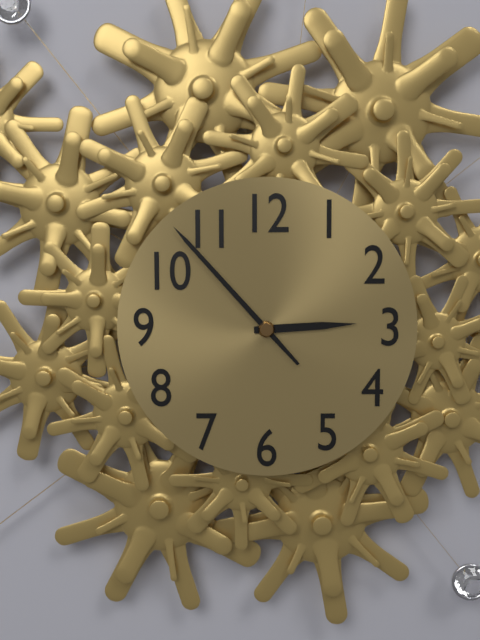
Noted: {"hour": 2, "minute": 53}
